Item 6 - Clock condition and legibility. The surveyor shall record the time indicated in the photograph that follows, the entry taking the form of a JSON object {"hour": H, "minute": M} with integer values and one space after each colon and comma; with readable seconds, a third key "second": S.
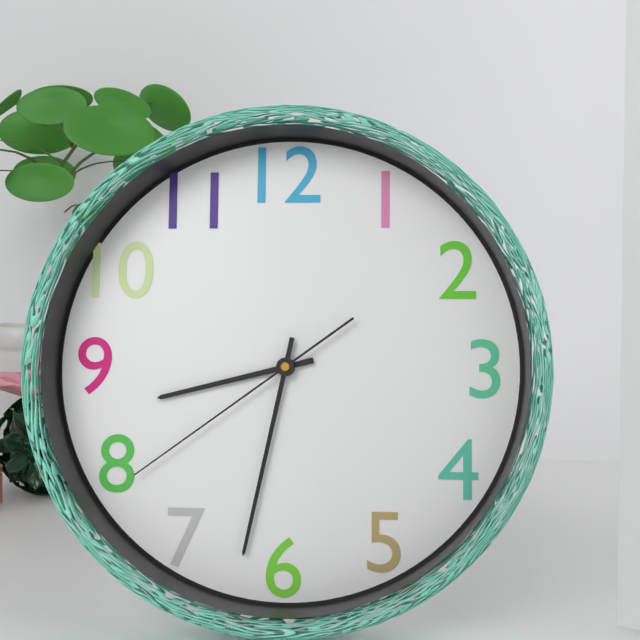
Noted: {"hour": 8, "minute": 32, "second": 39}
